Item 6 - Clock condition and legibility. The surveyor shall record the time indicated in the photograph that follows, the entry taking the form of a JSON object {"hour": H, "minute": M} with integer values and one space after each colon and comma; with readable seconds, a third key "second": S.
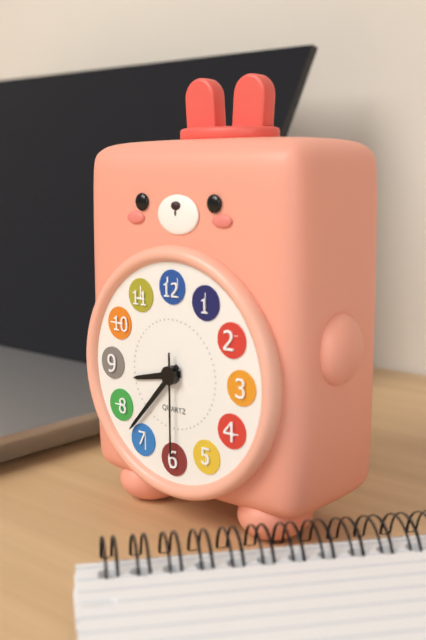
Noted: {"hour": 8, "minute": 37, "second": 30}
